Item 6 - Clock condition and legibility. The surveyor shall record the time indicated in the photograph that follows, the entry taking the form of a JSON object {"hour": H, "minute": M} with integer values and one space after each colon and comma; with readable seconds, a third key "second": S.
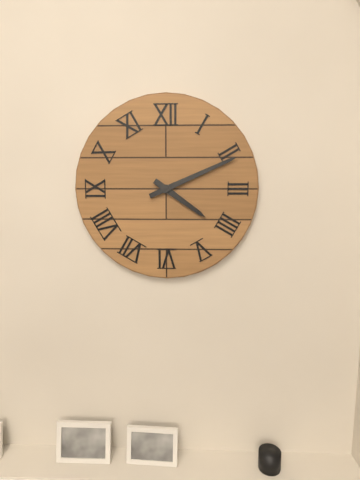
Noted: {"hour": 4, "minute": 11}
